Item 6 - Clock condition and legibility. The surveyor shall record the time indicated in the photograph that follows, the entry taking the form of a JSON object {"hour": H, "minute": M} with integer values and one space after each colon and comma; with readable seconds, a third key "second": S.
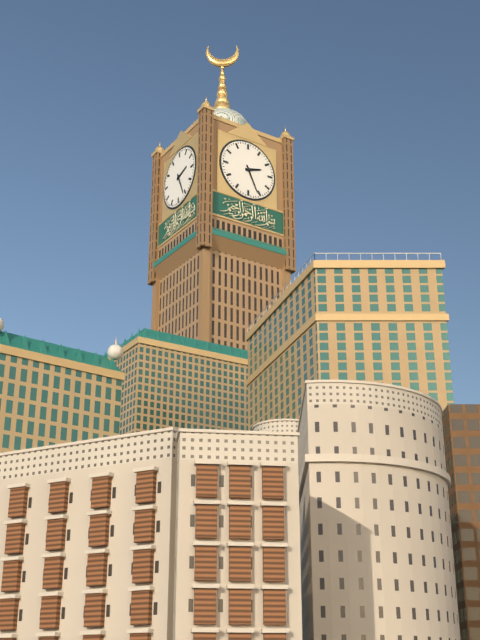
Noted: {"hour": 2, "minute": 26}
